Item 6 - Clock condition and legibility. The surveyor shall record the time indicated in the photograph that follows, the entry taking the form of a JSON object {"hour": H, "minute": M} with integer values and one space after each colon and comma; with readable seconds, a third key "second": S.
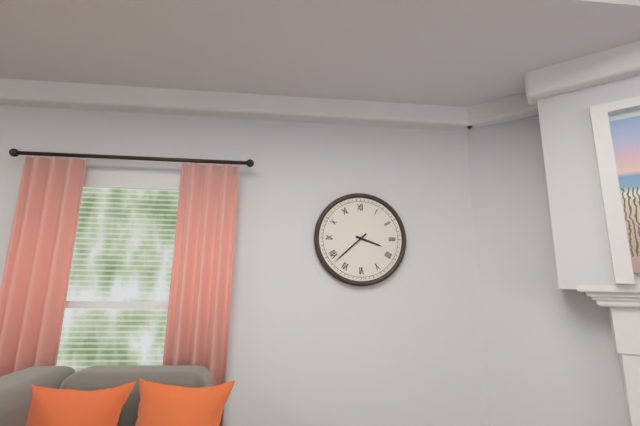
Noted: {"hour": 3, "minute": 38}
